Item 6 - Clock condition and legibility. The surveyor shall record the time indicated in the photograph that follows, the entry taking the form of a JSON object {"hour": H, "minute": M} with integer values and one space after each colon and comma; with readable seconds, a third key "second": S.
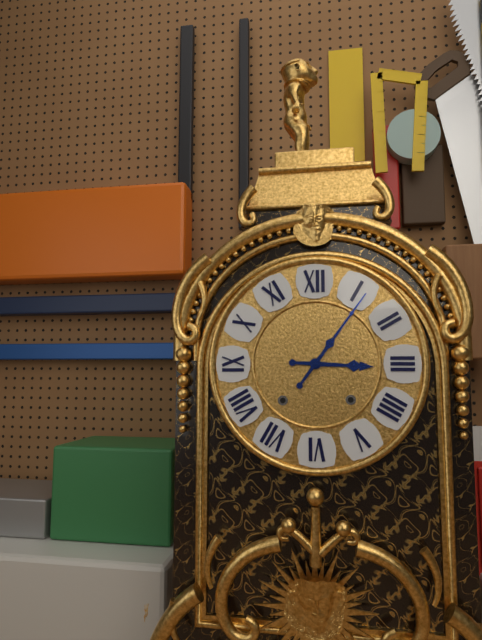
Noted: {"hour": 3, "minute": 6}
